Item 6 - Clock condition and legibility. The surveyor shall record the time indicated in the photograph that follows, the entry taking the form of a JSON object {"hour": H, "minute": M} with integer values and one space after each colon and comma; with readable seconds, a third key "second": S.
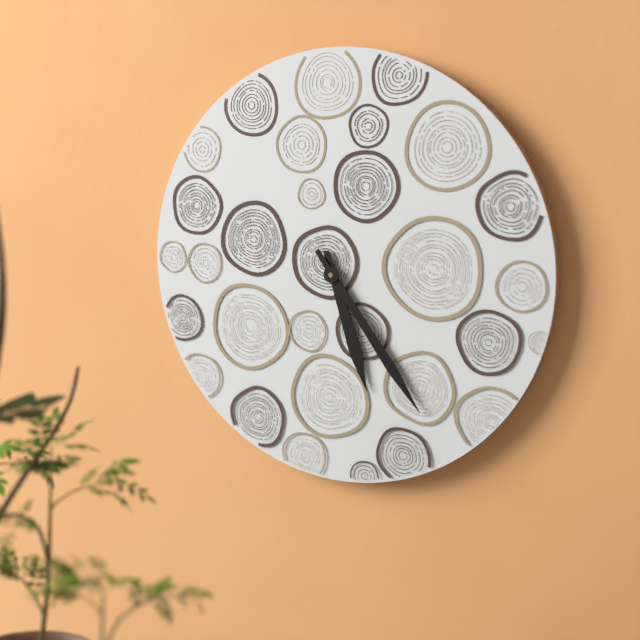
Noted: {"hour": 5, "minute": 24}
